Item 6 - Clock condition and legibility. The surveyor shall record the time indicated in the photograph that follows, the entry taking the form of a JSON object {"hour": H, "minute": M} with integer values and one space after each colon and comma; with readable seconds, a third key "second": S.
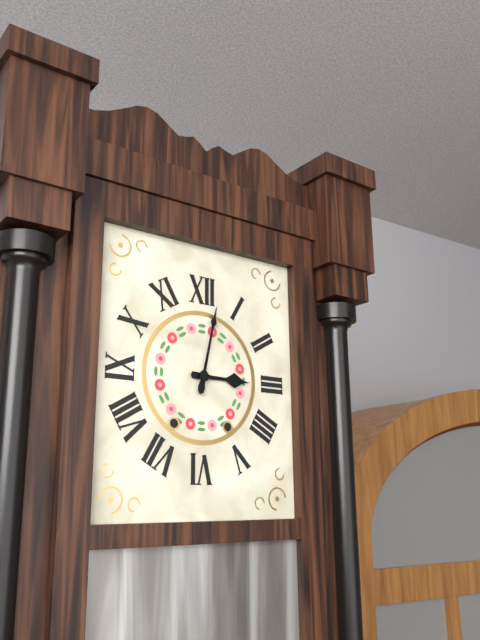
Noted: {"hour": 3, "minute": 2}
